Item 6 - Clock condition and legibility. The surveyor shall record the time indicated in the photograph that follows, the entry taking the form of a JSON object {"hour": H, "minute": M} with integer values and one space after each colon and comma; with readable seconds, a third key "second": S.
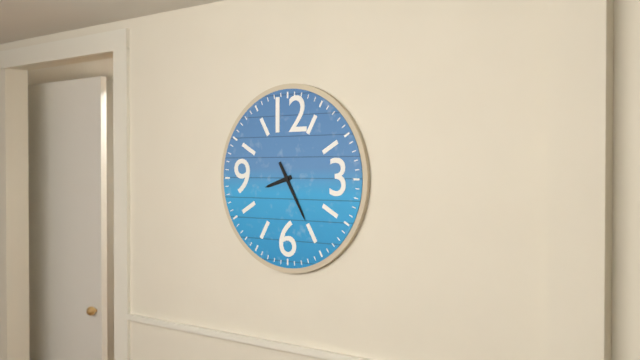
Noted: {"hour": 8, "minute": 25}
